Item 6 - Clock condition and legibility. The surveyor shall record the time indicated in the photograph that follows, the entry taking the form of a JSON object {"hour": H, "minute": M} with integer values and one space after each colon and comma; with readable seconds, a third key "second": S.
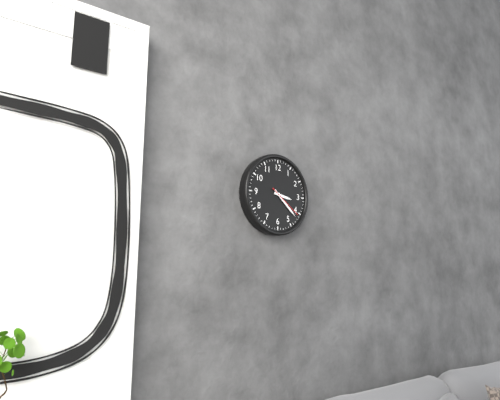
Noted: {"hour": 3, "minute": 22}
